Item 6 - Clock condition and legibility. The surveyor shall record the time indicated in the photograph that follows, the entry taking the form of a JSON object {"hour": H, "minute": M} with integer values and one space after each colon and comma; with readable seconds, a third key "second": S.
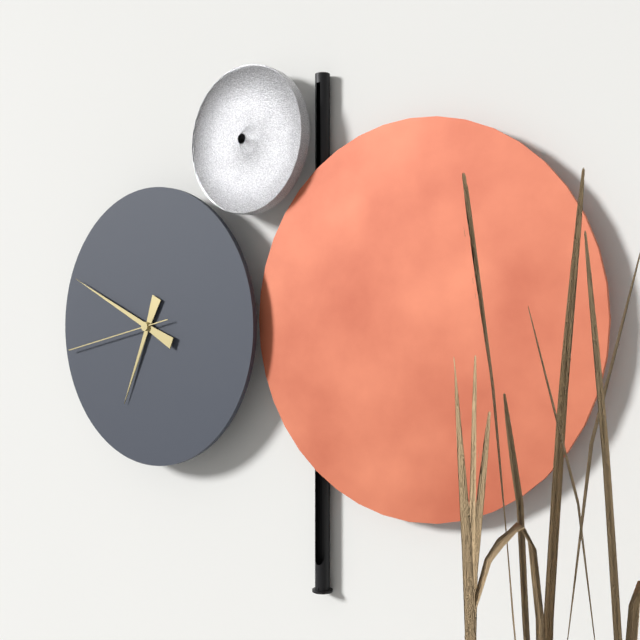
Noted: {"hour": 6, "minute": 49, "second": 43}
